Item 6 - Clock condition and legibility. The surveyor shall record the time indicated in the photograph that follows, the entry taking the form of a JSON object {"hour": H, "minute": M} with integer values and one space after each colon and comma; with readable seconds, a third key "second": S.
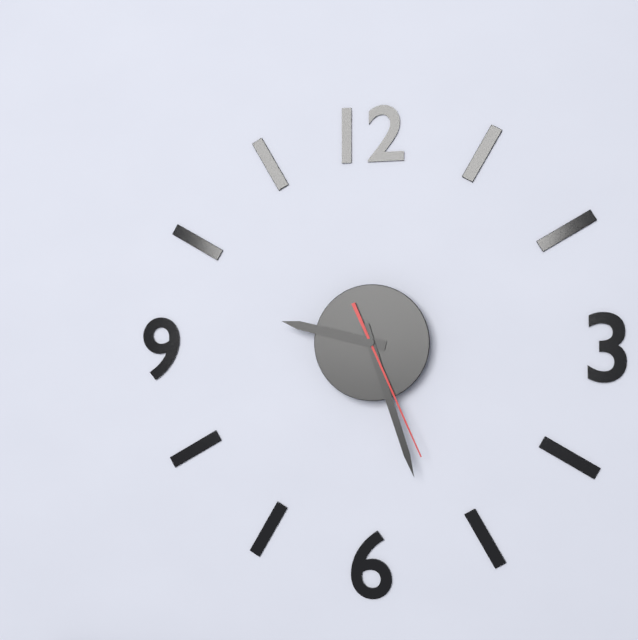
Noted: {"hour": 9, "minute": 27, "second": 26}
